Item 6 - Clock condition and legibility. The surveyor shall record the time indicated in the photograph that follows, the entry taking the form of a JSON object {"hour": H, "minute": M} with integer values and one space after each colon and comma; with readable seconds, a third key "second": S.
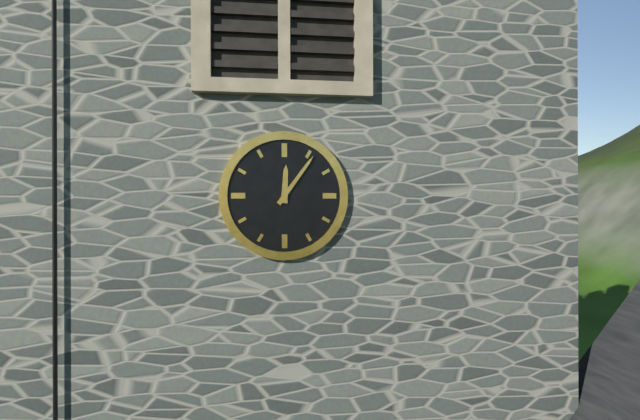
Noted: {"hour": 12, "minute": 6}
